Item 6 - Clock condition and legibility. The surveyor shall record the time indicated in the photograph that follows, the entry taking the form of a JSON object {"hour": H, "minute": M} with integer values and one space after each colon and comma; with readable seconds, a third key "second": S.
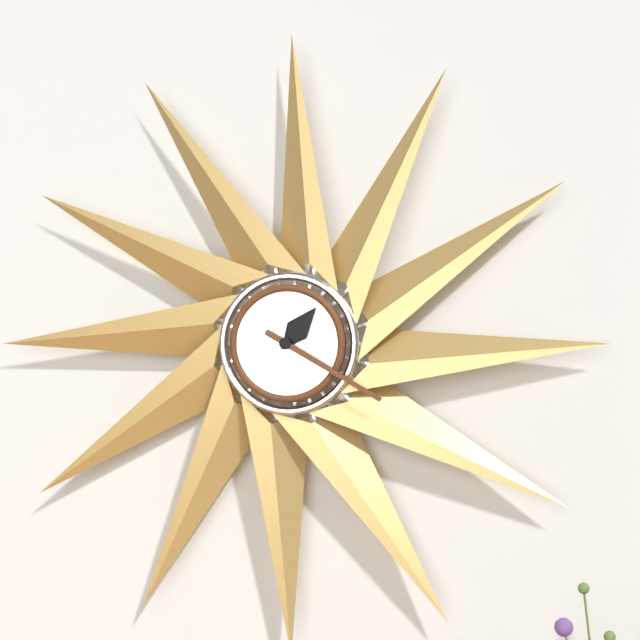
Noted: {"hour": 1, "minute": 20}
